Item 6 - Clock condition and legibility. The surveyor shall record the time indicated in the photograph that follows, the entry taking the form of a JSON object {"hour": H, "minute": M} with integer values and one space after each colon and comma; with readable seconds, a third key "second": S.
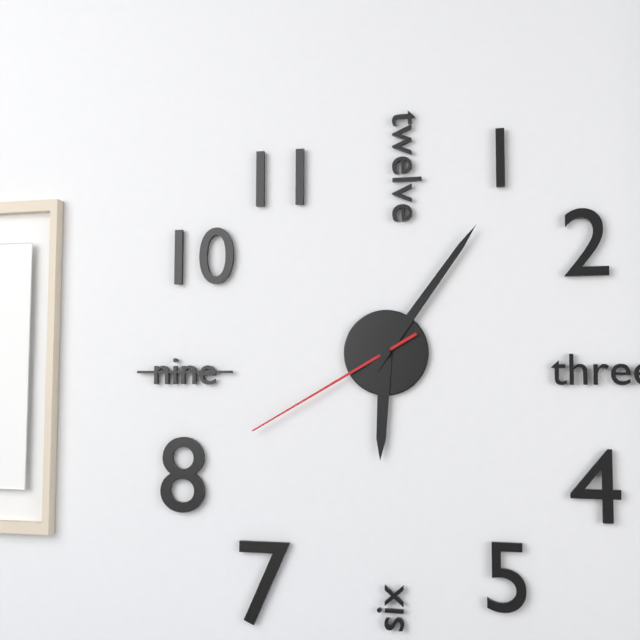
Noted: {"hour": 6, "minute": 6, "second": 40}
